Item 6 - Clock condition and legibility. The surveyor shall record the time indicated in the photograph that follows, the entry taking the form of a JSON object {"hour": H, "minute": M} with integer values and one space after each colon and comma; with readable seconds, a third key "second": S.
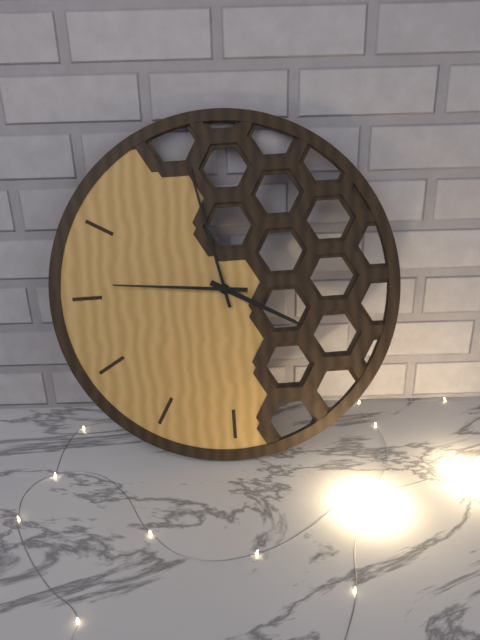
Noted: {"hour": 3, "minute": 58, "second": 46}
